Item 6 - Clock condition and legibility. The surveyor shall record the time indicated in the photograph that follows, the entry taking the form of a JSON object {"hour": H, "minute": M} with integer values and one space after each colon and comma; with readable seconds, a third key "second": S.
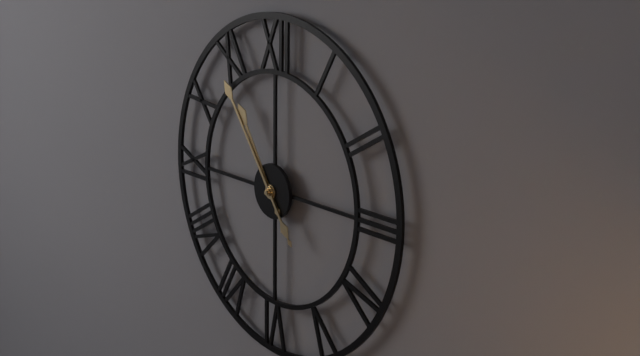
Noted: {"hour": 10, "minute": 54}
